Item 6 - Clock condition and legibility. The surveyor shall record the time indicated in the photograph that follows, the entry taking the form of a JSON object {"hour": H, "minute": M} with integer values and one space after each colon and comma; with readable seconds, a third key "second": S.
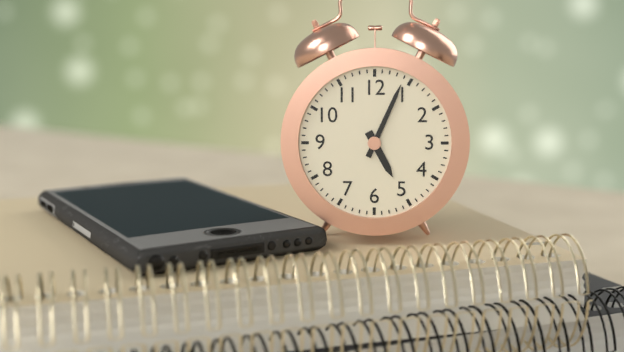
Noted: {"hour": 5, "minute": 4}
